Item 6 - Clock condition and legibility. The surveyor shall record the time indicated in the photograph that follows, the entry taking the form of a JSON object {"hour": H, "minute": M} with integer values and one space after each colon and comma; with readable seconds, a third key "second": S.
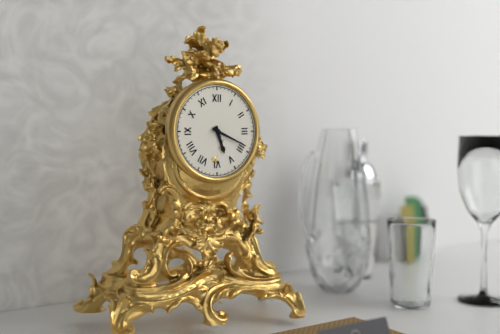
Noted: {"hour": 5, "minute": 19}
